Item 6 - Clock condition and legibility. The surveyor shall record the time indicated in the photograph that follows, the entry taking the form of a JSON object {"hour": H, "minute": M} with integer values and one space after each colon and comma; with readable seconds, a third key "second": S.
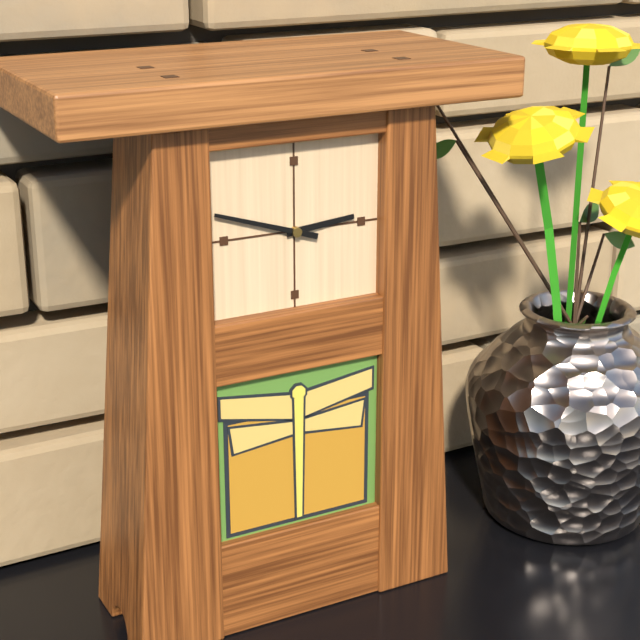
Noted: {"hour": 2, "minute": 48}
